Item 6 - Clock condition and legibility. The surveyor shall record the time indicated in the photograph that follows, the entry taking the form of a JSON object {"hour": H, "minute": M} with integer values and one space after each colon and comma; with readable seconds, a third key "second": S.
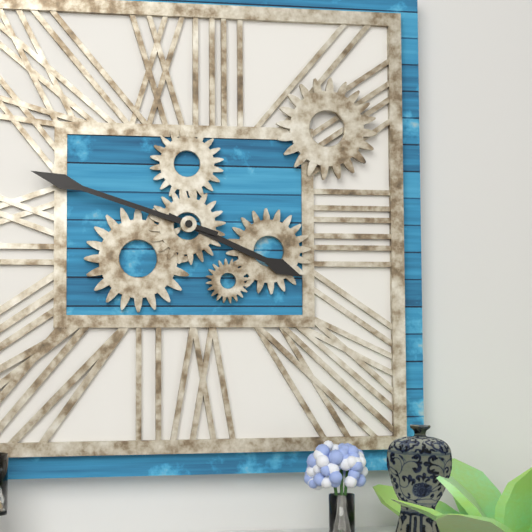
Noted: {"hour": 3, "minute": 48}
